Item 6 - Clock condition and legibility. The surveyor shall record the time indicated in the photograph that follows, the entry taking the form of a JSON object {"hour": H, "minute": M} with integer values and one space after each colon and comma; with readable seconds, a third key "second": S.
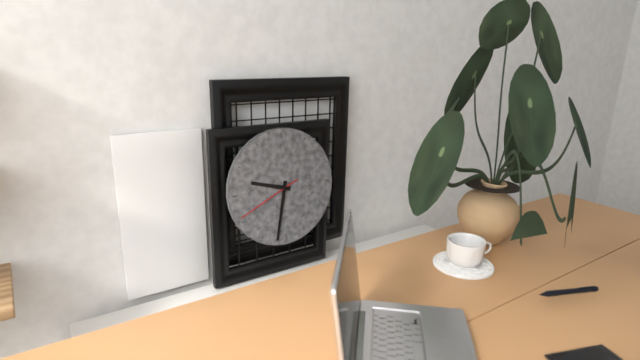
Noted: {"hour": 9, "minute": 32, "second": 41}
